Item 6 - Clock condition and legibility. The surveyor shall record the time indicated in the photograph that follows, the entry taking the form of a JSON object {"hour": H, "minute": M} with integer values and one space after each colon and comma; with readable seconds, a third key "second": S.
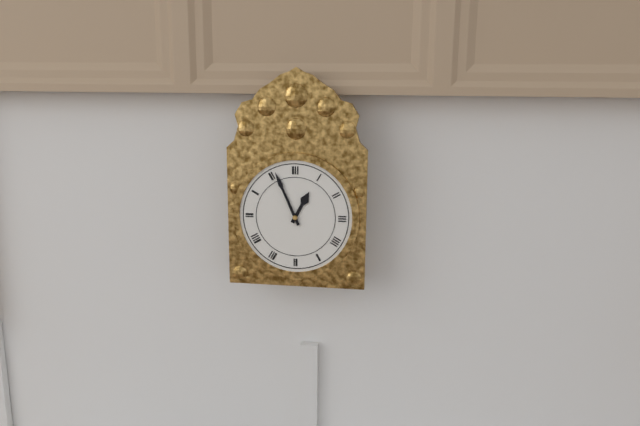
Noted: {"hour": 12, "minute": 56}
